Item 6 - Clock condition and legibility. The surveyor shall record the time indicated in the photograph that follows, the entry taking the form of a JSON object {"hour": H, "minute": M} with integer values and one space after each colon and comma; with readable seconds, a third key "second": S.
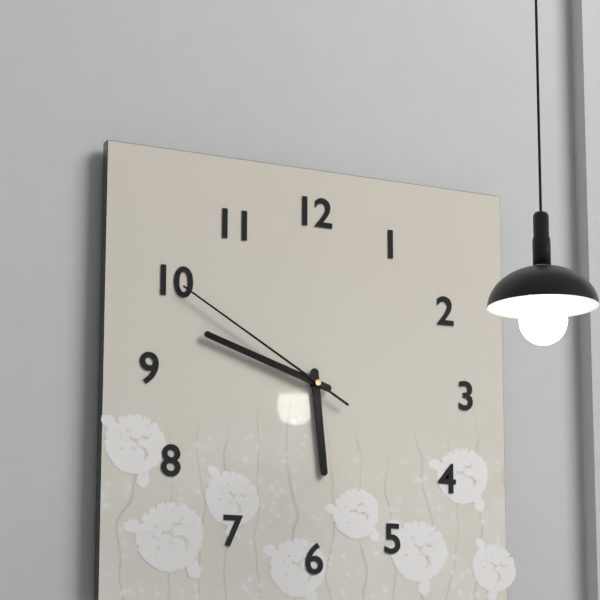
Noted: {"hour": 5, "minute": 48, "second": 50}
